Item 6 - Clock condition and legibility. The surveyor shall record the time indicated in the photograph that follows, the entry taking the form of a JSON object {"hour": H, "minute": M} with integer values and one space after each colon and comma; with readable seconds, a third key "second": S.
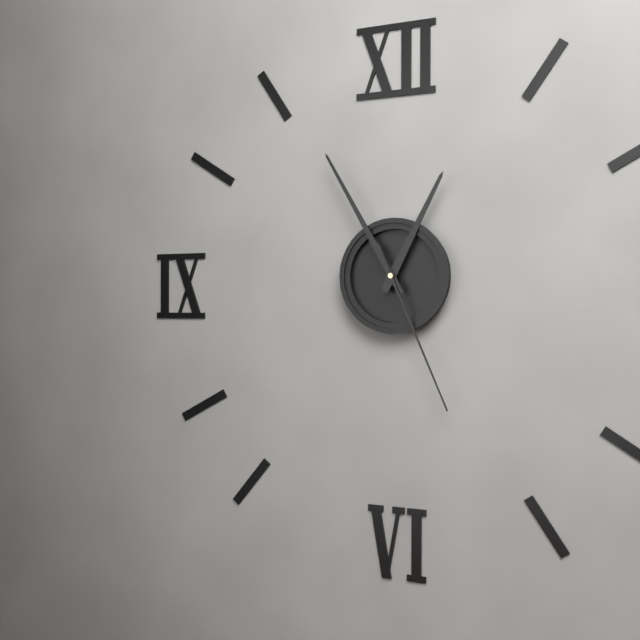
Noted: {"hour": 12, "minute": 55, "second": 26}
